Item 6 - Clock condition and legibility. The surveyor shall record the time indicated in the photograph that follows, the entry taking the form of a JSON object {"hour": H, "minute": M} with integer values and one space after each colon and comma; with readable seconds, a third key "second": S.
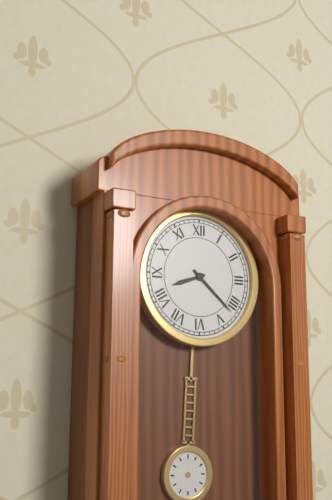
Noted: {"hour": 8, "minute": 22}
